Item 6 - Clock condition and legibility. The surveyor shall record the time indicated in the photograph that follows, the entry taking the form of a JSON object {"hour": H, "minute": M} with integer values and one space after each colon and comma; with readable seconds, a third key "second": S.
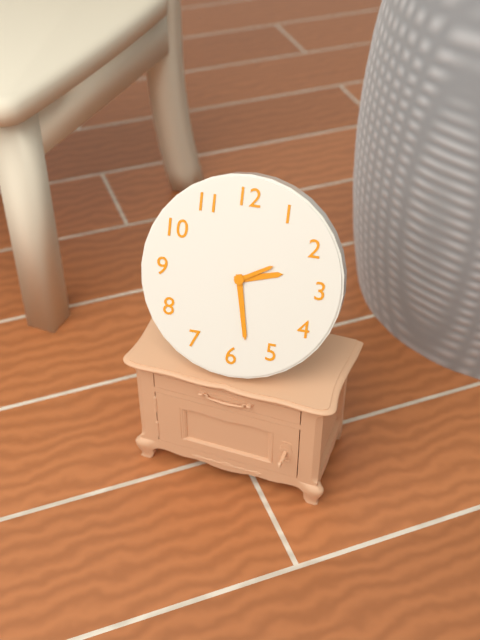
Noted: {"hour": 2, "minute": 28}
